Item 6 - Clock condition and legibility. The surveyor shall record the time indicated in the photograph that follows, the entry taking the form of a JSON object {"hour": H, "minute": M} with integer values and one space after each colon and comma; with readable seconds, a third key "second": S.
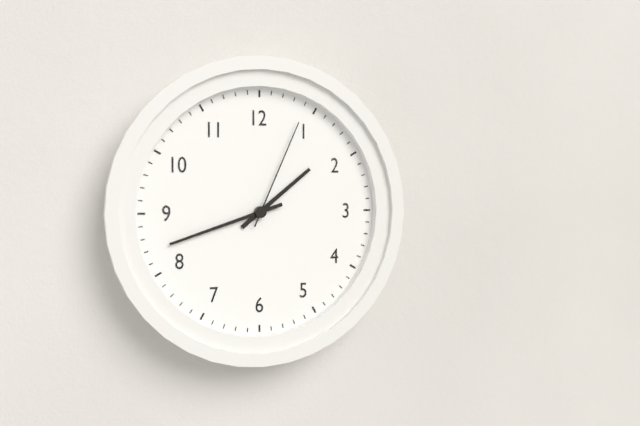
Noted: {"hour": 1, "minute": 42, "second": 4}
